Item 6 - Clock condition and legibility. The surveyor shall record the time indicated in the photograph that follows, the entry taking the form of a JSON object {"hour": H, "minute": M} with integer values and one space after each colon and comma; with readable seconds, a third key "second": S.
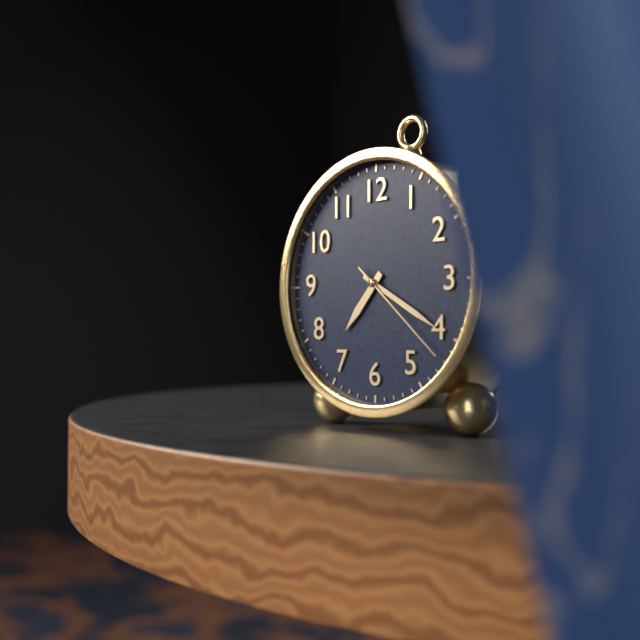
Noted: {"hour": 7, "minute": 20, "second": 22}
